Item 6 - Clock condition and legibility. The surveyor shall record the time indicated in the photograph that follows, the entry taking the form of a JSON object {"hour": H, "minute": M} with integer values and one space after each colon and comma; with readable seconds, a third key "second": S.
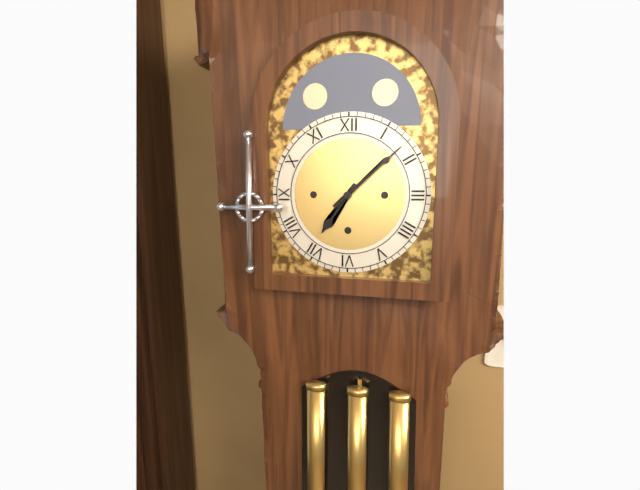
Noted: {"hour": 7, "minute": 8}
